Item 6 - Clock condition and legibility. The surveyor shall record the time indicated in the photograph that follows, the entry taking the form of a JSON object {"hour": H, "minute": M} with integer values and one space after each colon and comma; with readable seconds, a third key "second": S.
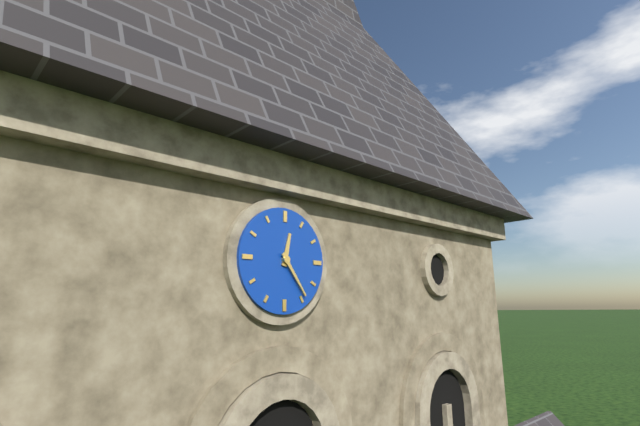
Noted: {"hour": 12, "minute": 24}
